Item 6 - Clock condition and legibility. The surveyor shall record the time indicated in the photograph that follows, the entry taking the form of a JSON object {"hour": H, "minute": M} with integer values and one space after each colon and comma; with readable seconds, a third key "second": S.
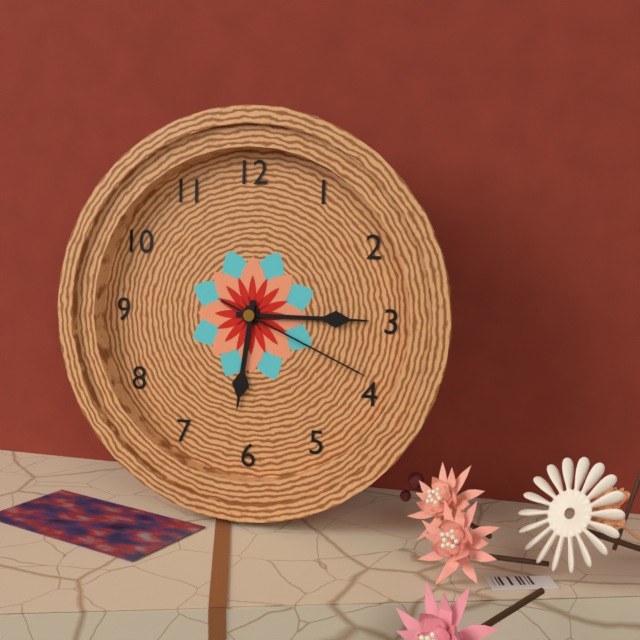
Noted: {"hour": 6, "minute": 15, "second": 19}
